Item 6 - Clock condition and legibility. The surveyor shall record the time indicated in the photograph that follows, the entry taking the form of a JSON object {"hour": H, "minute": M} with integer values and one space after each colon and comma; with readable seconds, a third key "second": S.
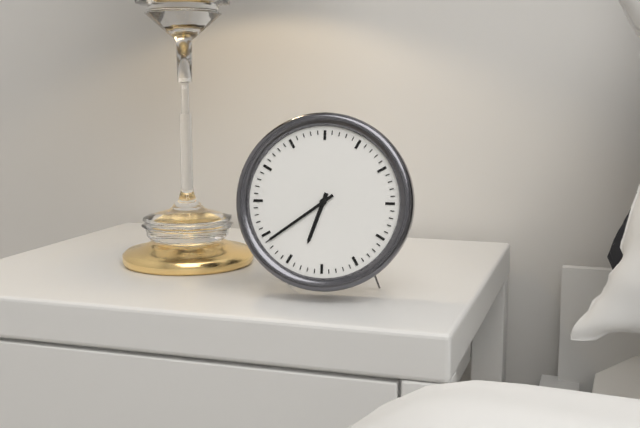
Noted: {"hour": 6, "minute": 39}
